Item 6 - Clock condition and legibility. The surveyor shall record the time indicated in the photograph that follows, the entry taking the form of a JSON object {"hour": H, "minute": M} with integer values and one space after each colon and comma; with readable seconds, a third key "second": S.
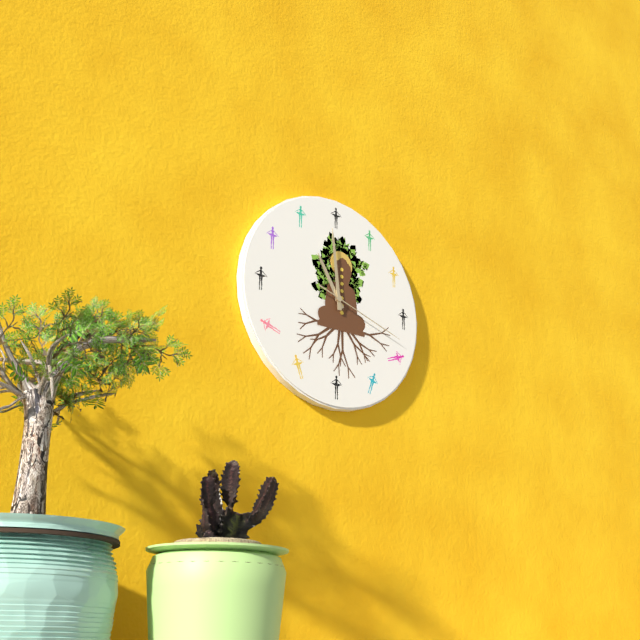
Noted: {"hour": 10, "minute": 59, "second": 18}
